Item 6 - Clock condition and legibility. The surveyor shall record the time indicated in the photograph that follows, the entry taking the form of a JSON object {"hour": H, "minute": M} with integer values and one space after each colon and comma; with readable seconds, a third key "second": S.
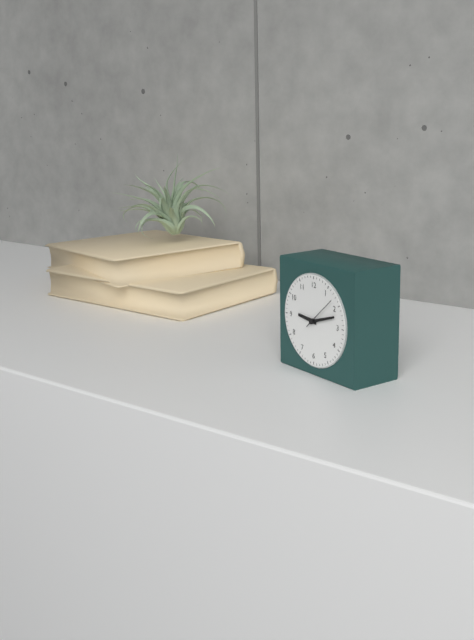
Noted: {"hour": 9, "minute": 12}
